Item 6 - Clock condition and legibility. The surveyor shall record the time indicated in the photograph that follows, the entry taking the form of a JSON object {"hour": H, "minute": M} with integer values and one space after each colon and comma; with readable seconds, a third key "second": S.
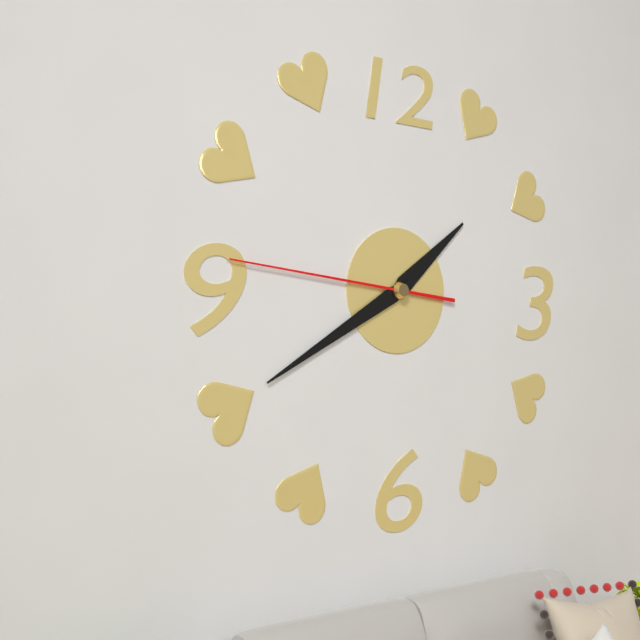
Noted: {"hour": 1, "minute": 40, "second": 46}
